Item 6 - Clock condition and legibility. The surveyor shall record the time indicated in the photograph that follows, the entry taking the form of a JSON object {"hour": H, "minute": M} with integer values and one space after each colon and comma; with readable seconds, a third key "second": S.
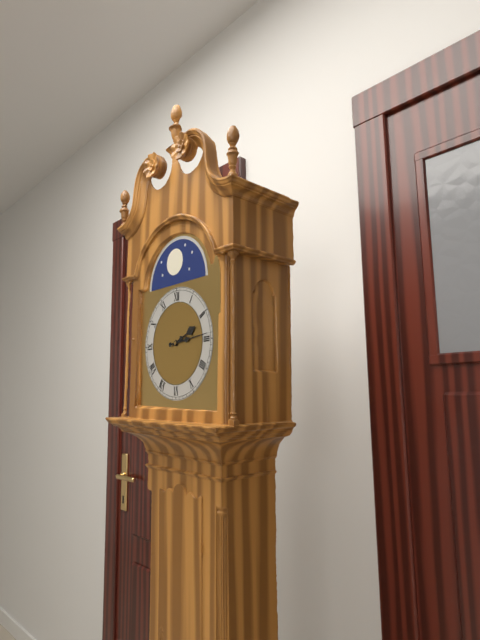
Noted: {"hour": 2, "minute": 14}
